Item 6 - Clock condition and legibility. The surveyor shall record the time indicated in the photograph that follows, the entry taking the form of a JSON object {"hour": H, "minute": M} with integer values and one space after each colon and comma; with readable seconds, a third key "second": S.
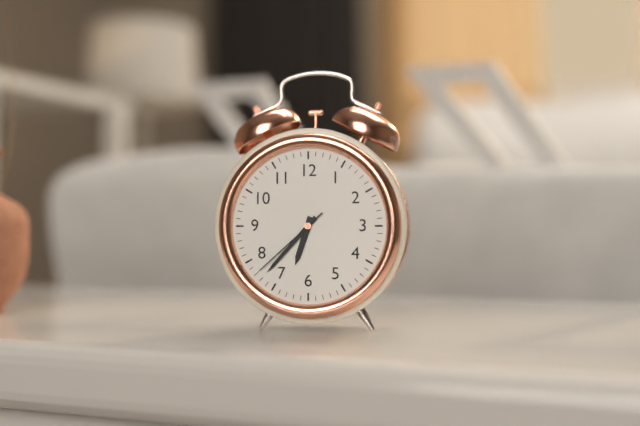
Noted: {"hour": 6, "minute": 37, "second": 38}
